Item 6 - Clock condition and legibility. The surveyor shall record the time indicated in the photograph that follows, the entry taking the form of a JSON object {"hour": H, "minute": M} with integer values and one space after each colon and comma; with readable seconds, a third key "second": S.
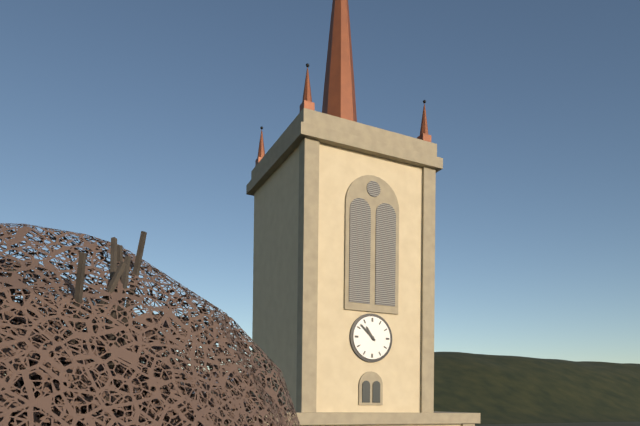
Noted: {"hour": 10, "minute": 52}
